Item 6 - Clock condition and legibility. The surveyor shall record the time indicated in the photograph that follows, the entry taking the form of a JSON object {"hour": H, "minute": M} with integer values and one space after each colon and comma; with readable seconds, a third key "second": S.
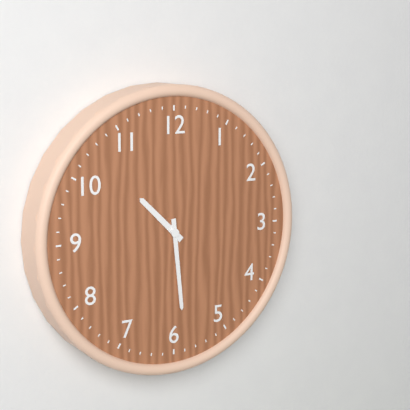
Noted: {"hour": 10, "minute": 29}
